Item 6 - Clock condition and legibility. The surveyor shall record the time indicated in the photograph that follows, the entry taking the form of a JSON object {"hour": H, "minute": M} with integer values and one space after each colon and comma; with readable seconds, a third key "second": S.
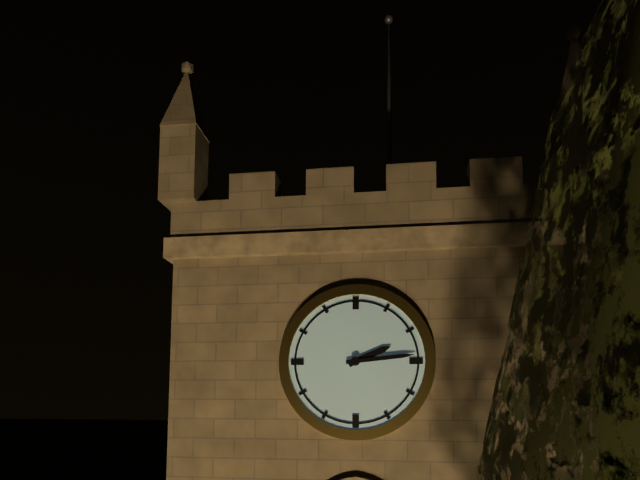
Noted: {"hour": 2, "minute": 14}
